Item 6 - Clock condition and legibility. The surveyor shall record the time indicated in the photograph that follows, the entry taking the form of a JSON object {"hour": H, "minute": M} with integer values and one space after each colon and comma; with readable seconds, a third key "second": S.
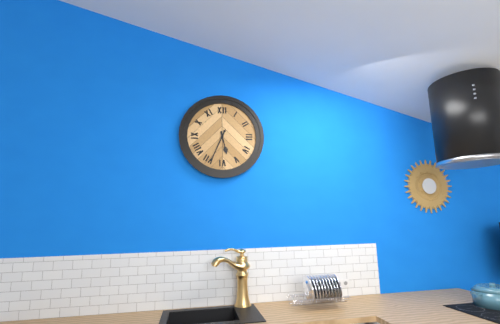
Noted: {"hour": 5, "minute": 34}
